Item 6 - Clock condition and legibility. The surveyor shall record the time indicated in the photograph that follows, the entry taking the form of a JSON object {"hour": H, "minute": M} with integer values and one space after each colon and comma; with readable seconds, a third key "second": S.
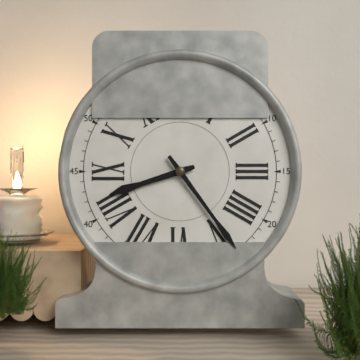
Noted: {"hour": 8, "minute": 24}
